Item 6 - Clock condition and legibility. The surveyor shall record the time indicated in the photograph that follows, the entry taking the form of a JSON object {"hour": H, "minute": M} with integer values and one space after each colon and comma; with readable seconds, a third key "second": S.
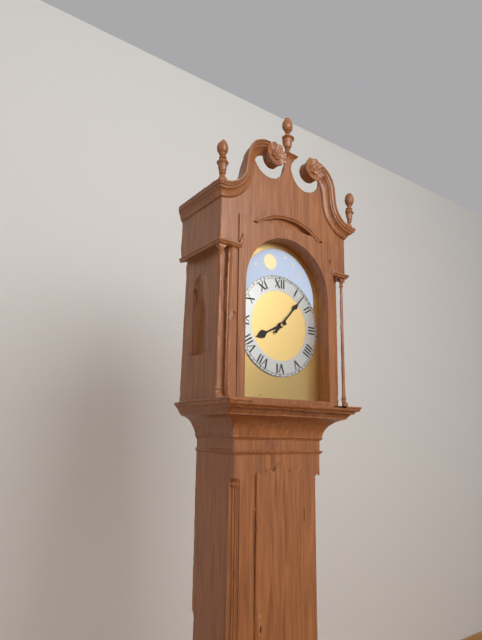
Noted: {"hour": 8, "minute": 7}
